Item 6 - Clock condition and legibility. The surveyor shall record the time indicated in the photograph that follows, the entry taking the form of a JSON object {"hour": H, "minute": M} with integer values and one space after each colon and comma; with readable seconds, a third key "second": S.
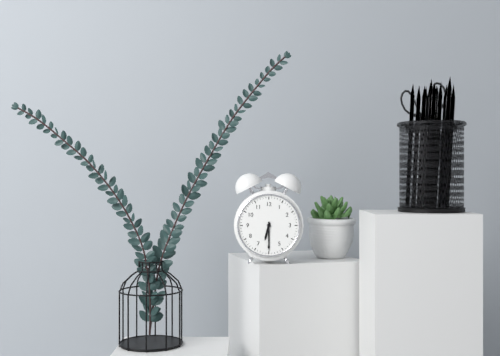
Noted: {"hour": 6, "minute": 30}
